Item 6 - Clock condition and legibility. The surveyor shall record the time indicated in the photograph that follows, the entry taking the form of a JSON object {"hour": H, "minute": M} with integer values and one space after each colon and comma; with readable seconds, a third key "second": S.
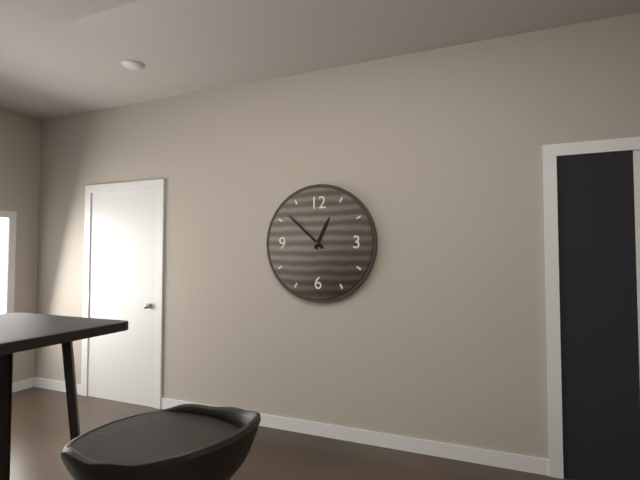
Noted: {"hour": 12, "minute": 52}
